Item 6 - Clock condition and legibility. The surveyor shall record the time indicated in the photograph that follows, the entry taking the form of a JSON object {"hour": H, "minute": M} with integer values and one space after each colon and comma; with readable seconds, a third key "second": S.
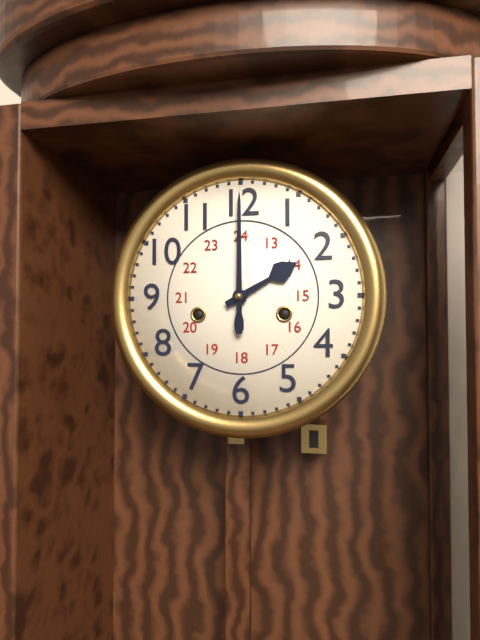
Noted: {"hour": 2, "minute": 0}
